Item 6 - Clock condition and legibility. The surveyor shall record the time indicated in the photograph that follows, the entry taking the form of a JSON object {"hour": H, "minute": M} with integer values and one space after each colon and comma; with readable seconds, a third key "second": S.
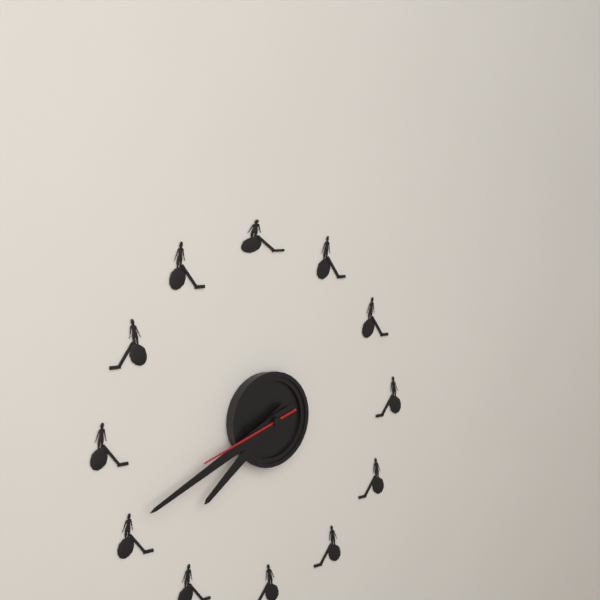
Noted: {"hour": 7, "minute": 41, "second": 42}
